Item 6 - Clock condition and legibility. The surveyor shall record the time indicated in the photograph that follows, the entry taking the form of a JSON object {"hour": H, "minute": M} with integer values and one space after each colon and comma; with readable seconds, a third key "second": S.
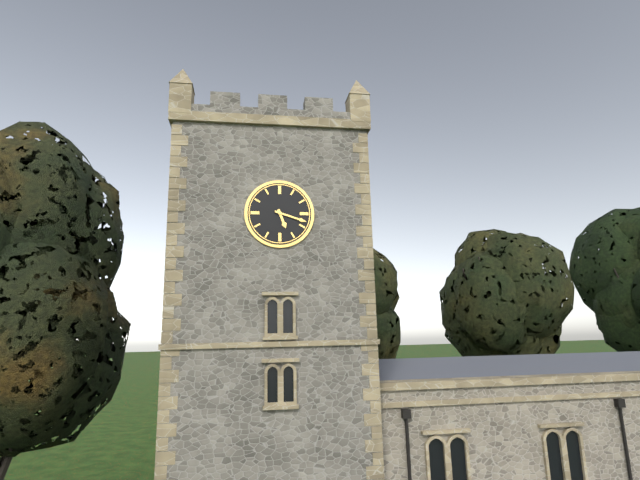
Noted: {"hour": 5, "minute": 18}
